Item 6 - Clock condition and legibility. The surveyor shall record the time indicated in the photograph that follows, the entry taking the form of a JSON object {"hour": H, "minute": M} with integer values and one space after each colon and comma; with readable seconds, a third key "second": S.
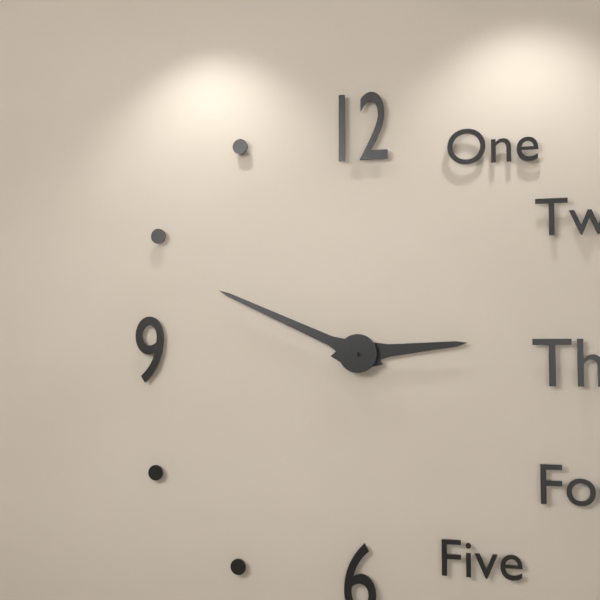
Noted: {"hour": 2, "minute": 49}
